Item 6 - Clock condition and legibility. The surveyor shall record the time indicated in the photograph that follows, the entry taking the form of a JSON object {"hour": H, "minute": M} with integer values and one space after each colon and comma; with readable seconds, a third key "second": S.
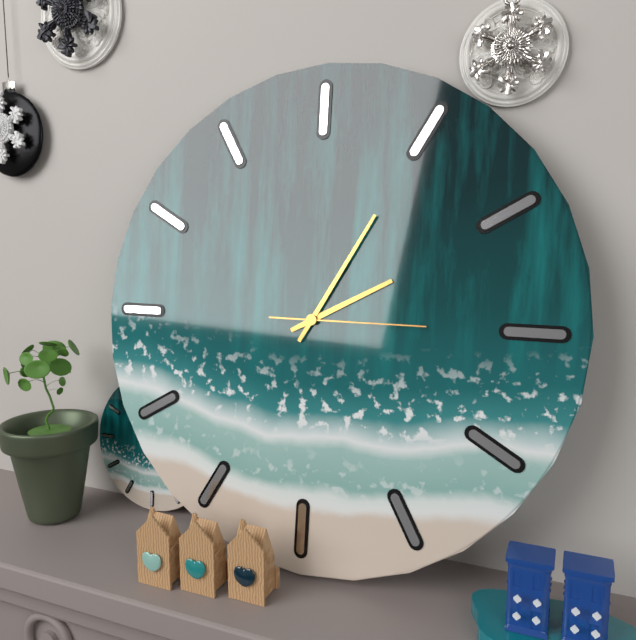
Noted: {"hour": 2, "minute": 5, "second": 15}
